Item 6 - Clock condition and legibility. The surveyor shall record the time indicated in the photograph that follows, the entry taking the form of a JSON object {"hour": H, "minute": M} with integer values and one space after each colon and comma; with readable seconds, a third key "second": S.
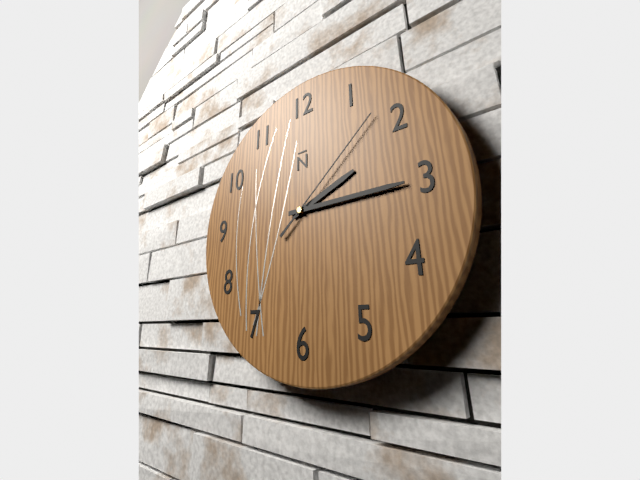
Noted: {"hour": 2, "minute": 15, "second": 8}
